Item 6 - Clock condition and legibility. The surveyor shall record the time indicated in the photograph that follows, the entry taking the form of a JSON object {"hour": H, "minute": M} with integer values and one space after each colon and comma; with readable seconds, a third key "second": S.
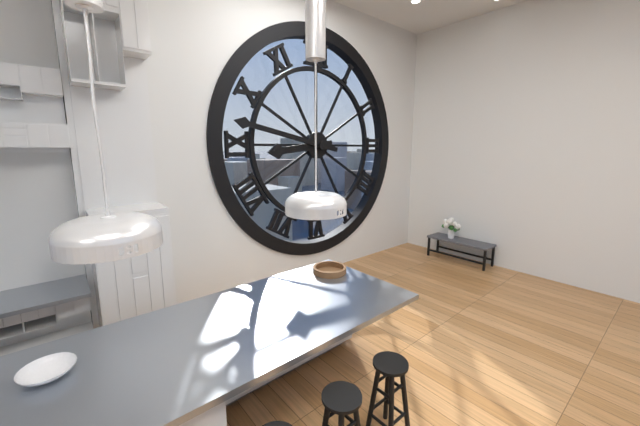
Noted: {"hour": 8, "minute": 47}
